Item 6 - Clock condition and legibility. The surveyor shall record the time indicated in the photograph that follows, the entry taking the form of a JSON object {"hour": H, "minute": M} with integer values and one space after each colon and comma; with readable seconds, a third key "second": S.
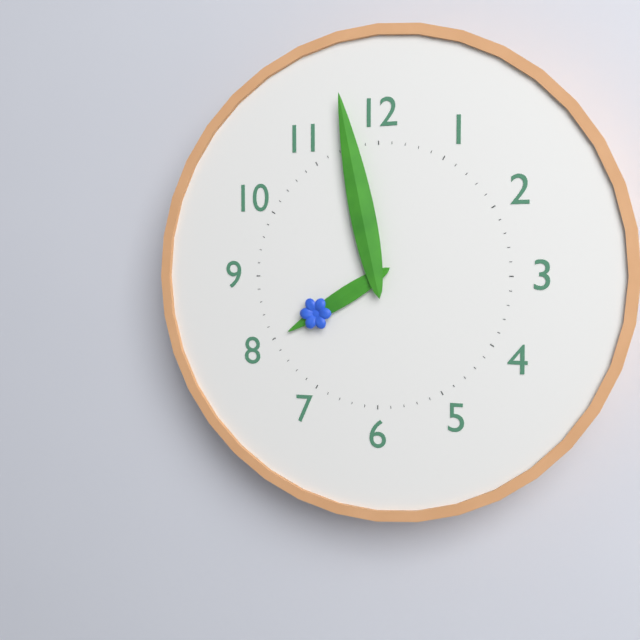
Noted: {"hour": 7, "minute": 58}
